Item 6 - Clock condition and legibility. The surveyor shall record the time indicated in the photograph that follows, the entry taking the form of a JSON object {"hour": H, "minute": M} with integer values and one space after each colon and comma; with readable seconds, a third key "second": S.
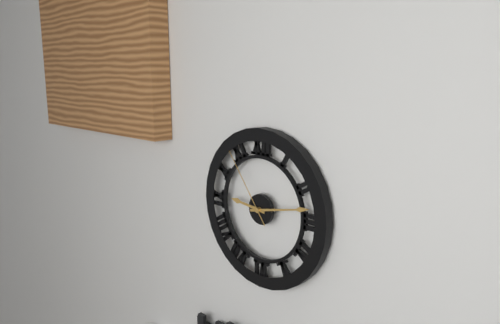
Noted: {"hour": 9, "minute": 13, "second": 54}
